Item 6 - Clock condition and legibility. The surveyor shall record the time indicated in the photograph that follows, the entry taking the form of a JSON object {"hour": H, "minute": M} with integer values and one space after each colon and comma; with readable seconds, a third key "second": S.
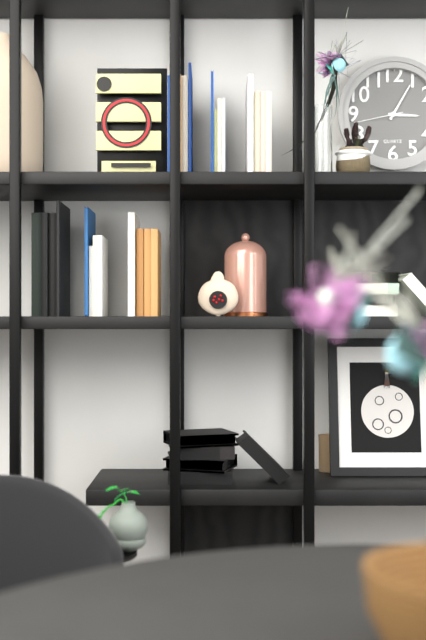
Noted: {"hour": 3, "minute": 5}
